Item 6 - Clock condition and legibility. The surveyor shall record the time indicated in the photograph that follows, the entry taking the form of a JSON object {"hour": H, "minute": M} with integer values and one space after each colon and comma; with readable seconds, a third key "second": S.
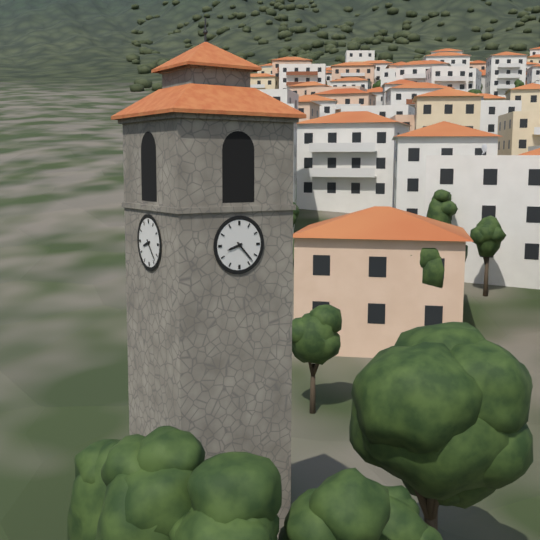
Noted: {"hour": 8, "minute": 23}
